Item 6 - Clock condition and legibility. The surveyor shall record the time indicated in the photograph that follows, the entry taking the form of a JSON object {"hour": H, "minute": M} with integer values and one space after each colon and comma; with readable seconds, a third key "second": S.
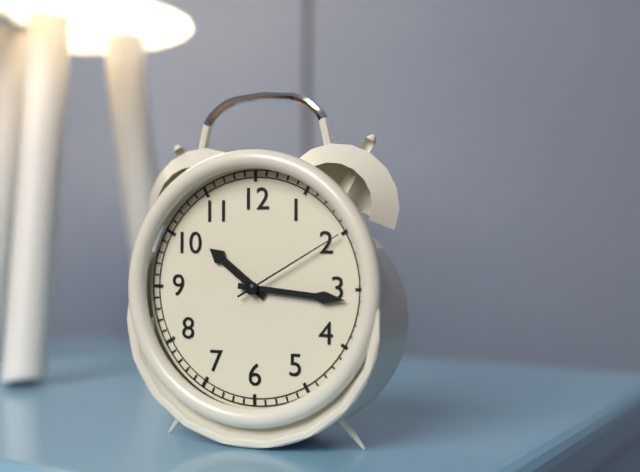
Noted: {"hour": 10, "minute": 16, "second": 10}
